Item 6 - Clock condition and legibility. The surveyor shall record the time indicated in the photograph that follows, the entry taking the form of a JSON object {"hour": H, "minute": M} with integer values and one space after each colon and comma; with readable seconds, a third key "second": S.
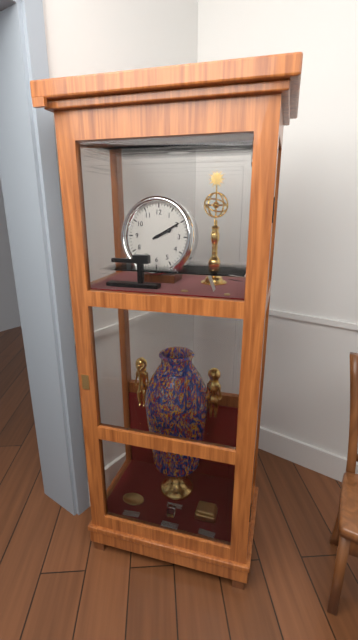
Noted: {"hour": 2, "minute": 10}
